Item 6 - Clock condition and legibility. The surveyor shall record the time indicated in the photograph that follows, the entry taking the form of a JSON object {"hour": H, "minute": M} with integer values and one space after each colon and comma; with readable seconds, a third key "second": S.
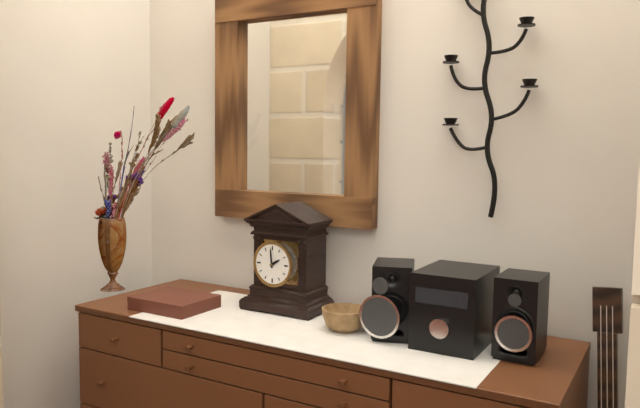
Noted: {"hour": 1, "minute": 59}
